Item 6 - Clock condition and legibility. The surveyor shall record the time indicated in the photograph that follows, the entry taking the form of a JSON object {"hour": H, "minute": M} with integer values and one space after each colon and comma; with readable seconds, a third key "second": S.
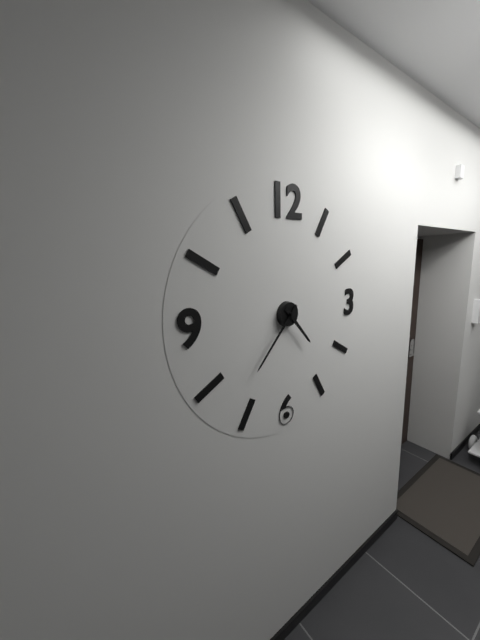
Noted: {"hour": 4, "minute": 37}
